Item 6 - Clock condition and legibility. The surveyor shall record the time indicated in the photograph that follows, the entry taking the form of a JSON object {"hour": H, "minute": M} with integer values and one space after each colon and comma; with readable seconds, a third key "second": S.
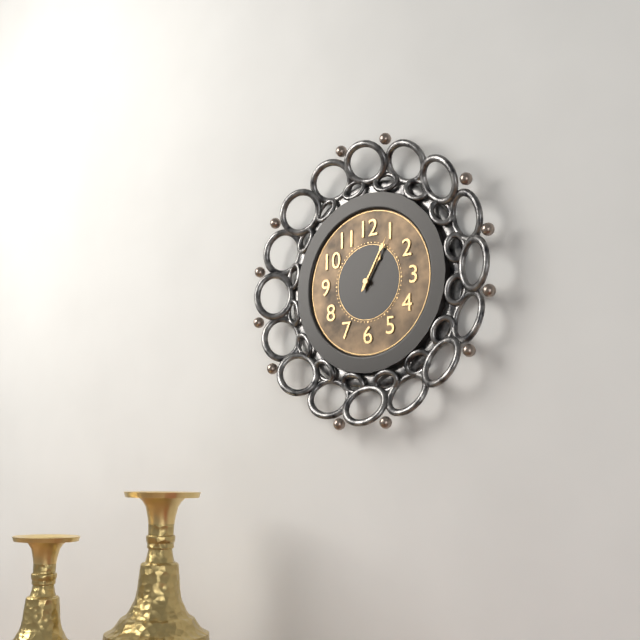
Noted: {"hour": 1, "minute": 5}
